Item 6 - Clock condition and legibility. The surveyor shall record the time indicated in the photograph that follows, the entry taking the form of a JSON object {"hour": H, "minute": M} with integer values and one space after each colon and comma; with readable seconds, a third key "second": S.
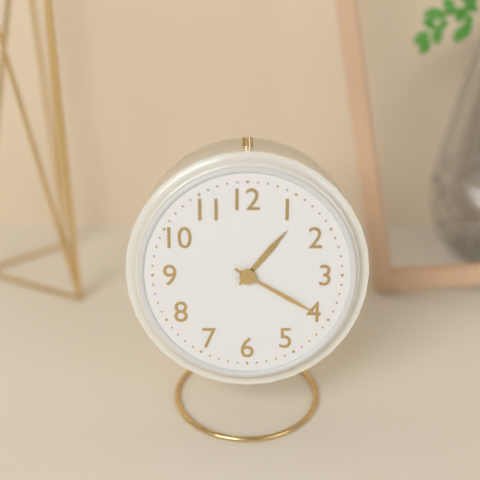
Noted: {"hour": 1, "minute": 20}
